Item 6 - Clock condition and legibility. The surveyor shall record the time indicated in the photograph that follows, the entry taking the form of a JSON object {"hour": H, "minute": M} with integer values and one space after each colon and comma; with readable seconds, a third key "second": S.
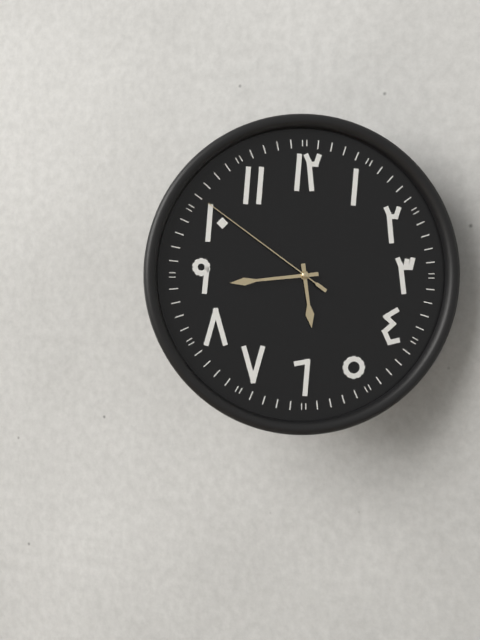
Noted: {"hour": 5, "minute": 44, "second": 51}
